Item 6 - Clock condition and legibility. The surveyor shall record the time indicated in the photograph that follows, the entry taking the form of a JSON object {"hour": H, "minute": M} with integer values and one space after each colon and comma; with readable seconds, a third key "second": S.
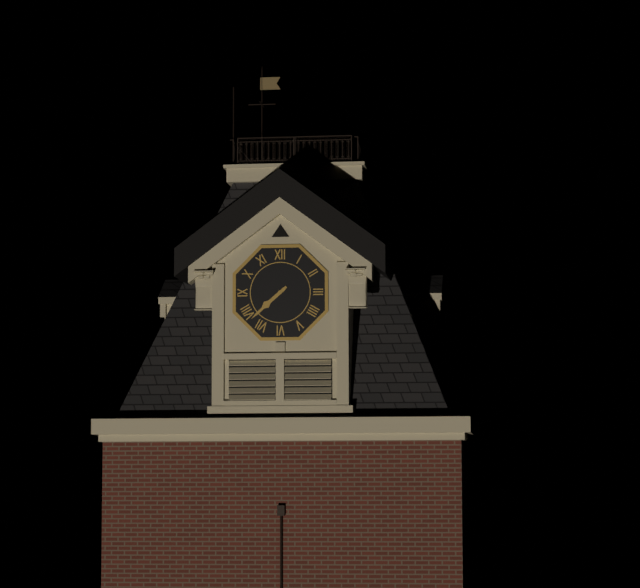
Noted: {"hour": 7, "minute": 38}
